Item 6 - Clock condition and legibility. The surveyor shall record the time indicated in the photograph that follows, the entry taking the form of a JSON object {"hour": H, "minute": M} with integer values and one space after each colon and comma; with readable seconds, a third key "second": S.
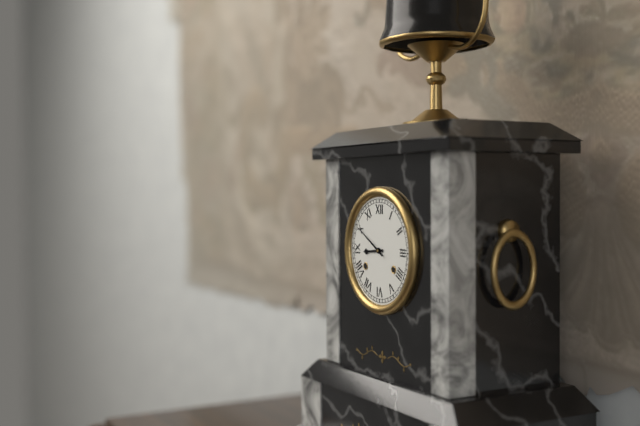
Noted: {"hour": 8, "minute": 50}
